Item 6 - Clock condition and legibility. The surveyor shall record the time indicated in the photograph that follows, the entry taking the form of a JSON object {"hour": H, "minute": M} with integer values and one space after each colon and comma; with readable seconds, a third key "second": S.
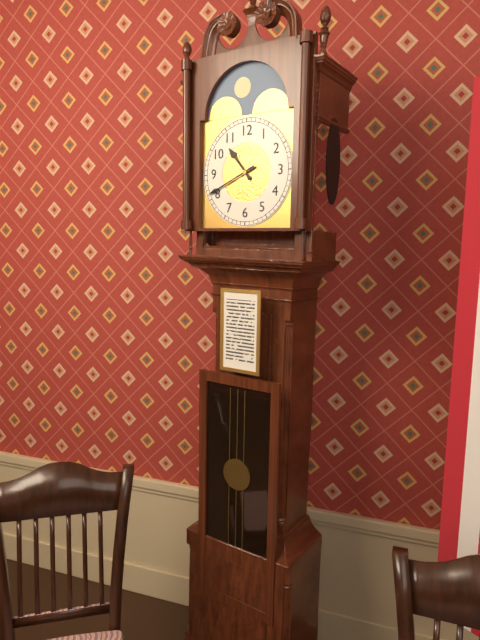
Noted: {"hour": 10, "minute": 41}
